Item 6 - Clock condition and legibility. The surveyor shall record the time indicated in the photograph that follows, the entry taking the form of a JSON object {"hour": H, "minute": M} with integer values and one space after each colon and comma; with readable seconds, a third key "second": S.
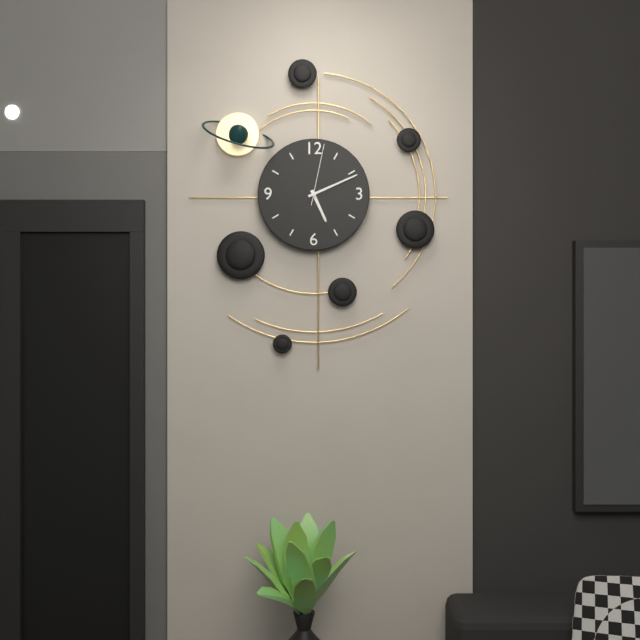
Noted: {"hour": 5, "minute": 11, "second": 2}
